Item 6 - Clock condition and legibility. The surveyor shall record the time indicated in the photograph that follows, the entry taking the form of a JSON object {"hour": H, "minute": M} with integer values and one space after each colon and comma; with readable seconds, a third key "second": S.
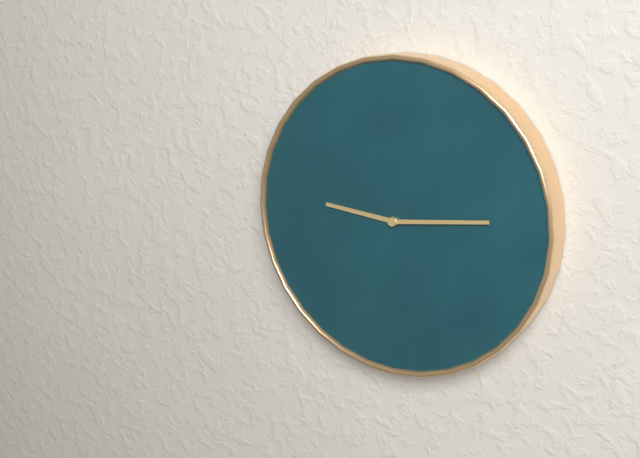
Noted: {"hour": 9, "minute": 14}
